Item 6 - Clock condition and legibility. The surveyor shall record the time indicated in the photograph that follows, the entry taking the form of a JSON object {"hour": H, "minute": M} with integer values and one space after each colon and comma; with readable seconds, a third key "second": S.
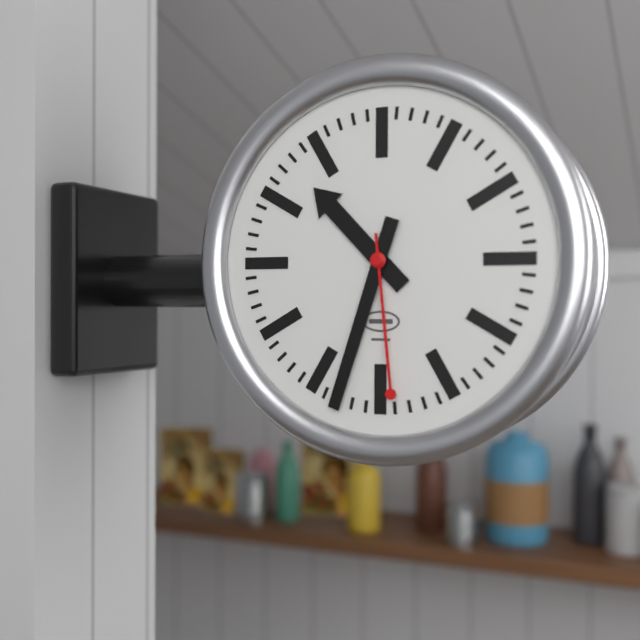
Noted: {"hour": 10, "minute": 33, "second": 29}
